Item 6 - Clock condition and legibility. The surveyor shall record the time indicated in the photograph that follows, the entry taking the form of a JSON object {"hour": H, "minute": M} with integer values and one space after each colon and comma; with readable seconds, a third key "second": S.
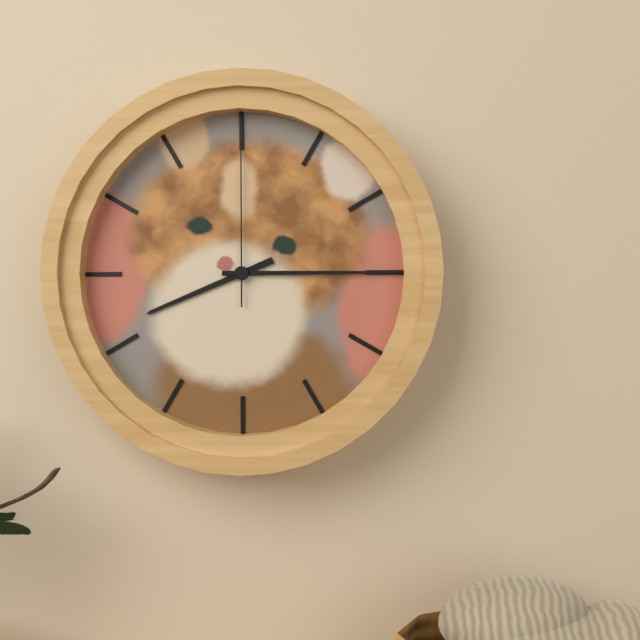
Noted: {"hour": 8, "minute": 15, "second": 0}
